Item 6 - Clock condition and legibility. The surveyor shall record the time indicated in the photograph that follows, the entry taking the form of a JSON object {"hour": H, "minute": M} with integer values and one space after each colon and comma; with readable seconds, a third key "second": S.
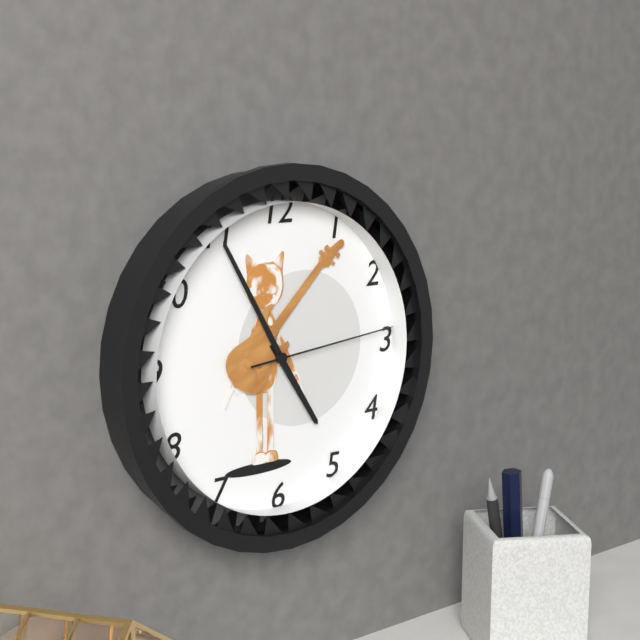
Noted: {"hour": 4, "minute": 55, "second": 14}
